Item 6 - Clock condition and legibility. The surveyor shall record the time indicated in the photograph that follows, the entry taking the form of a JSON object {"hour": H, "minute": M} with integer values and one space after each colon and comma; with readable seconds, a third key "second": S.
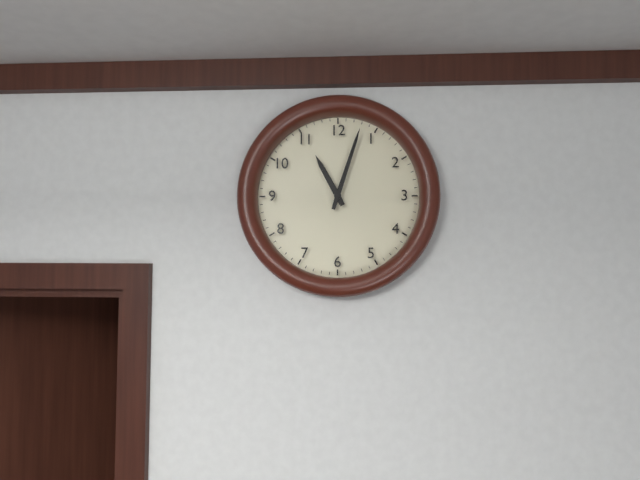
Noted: {"hour": 11, "minute": 3}
